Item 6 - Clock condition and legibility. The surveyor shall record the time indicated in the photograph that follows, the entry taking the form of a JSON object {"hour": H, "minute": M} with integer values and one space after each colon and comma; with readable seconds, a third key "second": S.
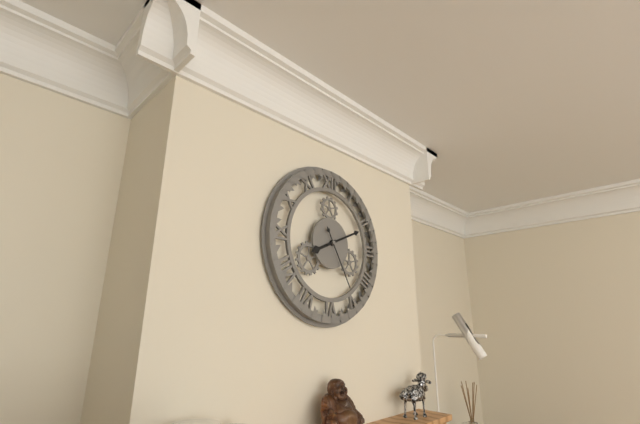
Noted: {"hour": 8, "minute": 11, "second": 25}
